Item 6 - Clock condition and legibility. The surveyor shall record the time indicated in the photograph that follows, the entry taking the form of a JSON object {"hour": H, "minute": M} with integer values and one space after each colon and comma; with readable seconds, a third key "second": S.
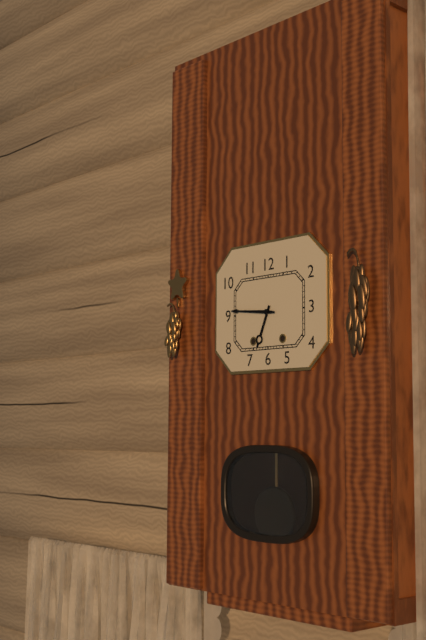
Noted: {"hour": 6, "minute": 46}
